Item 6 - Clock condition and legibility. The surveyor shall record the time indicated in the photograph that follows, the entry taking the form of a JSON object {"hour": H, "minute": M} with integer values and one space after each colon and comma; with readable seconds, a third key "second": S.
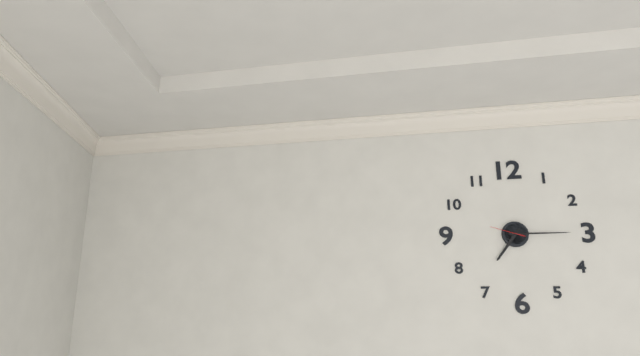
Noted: {"hour": 7, "minute": 15}
